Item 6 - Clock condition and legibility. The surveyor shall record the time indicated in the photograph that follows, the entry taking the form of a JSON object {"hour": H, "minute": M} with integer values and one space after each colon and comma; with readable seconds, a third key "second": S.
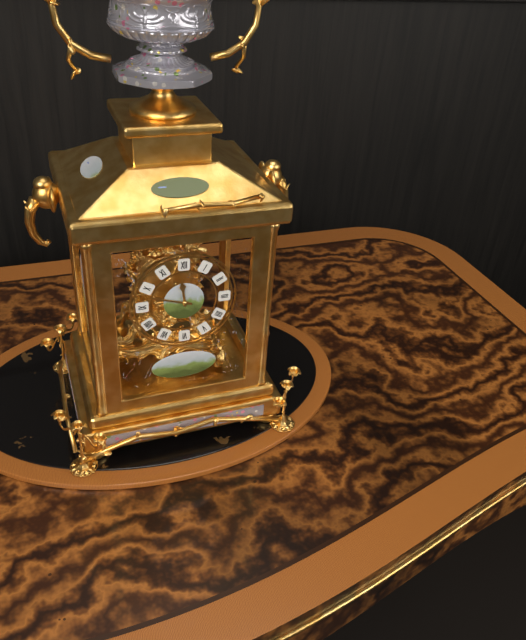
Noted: {"hour": 11, "minute": 48}
